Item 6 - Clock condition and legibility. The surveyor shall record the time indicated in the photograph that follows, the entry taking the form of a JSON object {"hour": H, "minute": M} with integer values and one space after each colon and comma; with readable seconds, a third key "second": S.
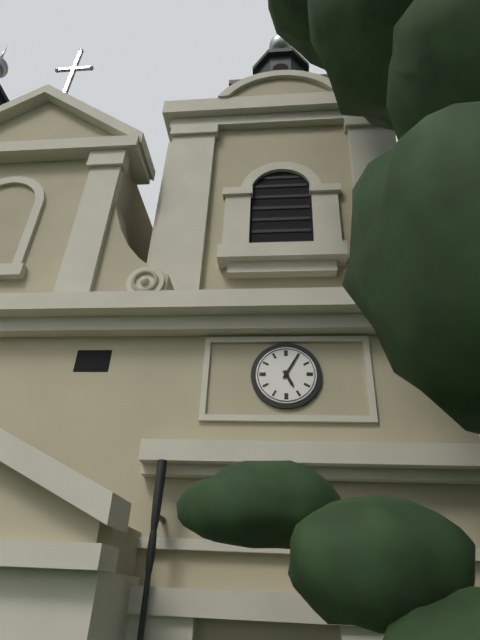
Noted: {"hour": 5, "minute": 5}
